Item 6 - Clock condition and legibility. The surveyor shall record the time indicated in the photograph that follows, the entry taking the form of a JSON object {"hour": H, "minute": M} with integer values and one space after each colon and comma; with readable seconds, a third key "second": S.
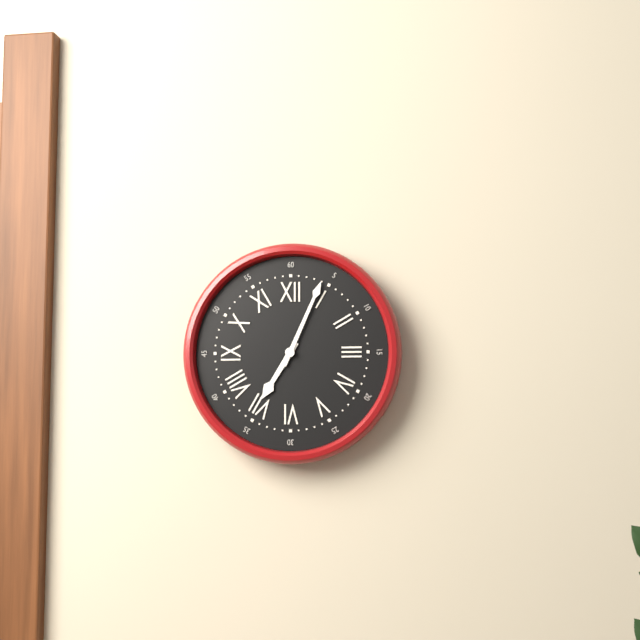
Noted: {"hour": 7, "minute": 4}
